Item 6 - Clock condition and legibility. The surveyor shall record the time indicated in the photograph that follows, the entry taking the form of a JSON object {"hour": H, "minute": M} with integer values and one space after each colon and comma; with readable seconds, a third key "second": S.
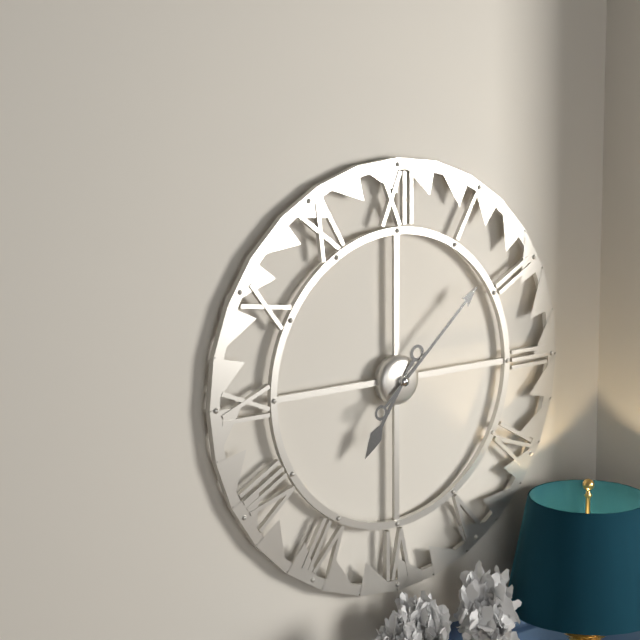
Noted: {"hour": 7, "minute": 8}
